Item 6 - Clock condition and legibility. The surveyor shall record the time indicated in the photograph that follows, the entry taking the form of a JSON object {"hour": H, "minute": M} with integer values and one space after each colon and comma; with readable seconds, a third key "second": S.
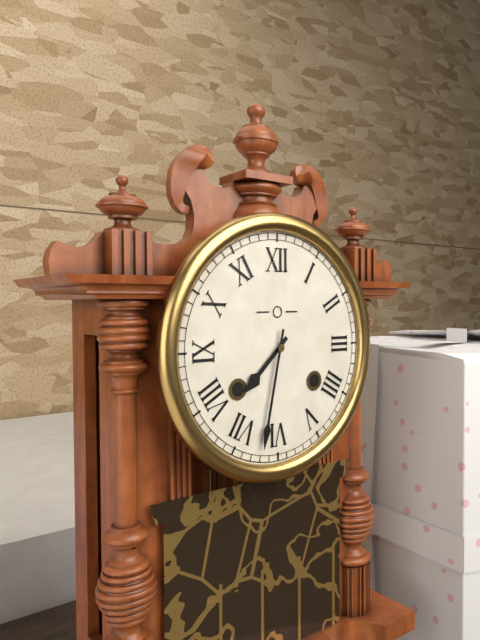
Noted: {"hour": 7, "minute": 32}
